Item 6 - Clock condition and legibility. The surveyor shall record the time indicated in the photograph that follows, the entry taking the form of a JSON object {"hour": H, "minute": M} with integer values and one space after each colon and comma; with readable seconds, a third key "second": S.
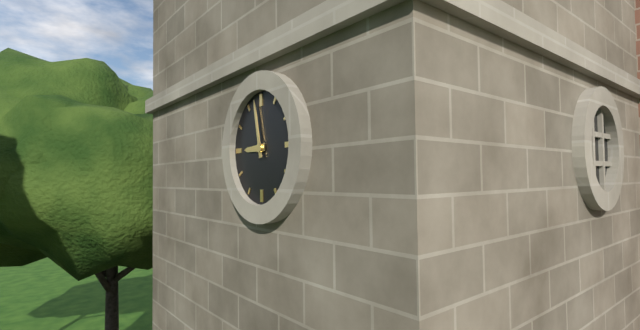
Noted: {"hour": 8, "minute": 58}
